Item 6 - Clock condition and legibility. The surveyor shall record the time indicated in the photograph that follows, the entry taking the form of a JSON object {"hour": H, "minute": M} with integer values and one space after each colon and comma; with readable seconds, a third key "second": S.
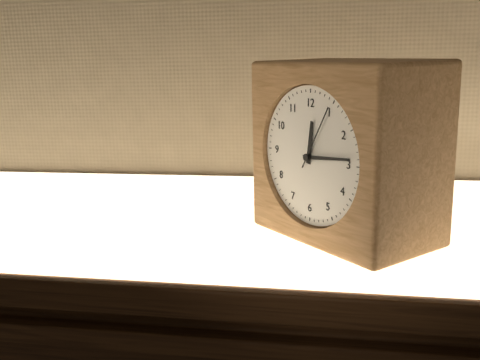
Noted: {"hour": 12, "minute": 14, "second": 5}
